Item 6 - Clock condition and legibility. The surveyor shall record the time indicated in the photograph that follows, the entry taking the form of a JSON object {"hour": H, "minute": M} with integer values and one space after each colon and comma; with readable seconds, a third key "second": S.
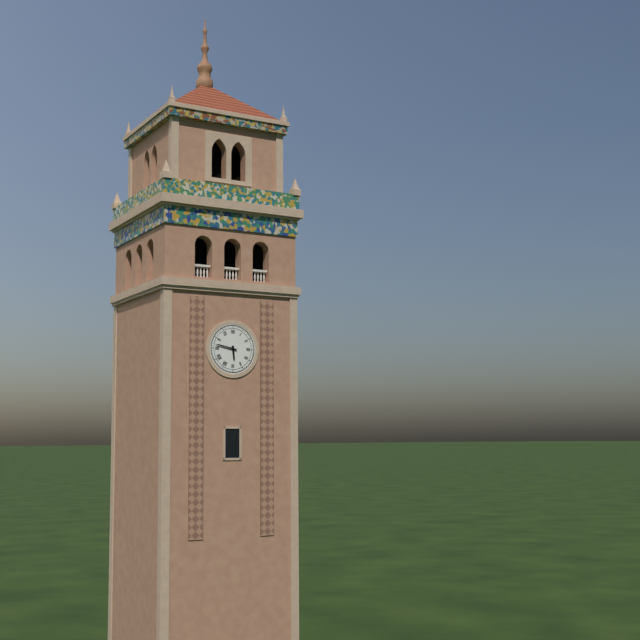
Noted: {"hour": 5, "minute": 47}
